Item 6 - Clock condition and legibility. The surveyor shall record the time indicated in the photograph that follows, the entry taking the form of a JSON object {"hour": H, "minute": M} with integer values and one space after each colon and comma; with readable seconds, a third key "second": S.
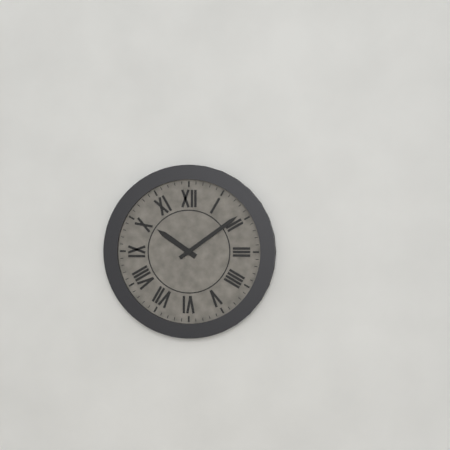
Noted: {"hour": 10, "minute": 9}
